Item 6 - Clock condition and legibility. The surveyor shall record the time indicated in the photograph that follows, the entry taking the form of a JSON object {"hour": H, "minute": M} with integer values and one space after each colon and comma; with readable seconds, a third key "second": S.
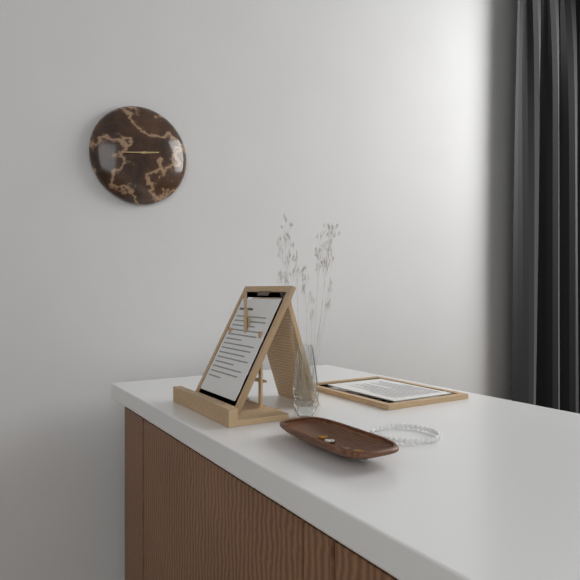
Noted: {"hour": 2, "minute": 44}
